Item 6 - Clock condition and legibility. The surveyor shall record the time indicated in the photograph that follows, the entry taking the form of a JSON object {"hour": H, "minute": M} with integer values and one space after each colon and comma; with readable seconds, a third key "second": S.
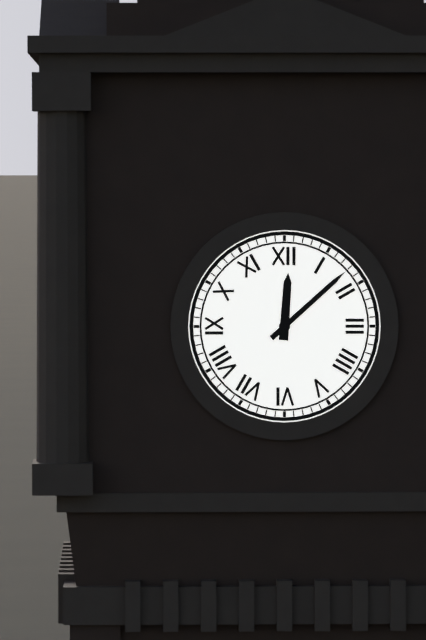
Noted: {"hour": 12, "minute": 8}
